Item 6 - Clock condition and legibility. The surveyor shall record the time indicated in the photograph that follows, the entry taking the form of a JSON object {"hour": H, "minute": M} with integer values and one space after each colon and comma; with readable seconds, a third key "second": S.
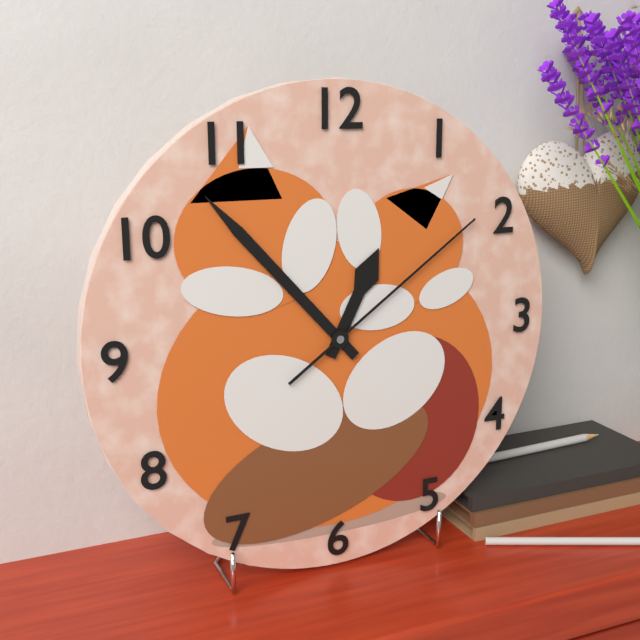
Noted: {"hour": 12, "minute": 53, "second": 9}
